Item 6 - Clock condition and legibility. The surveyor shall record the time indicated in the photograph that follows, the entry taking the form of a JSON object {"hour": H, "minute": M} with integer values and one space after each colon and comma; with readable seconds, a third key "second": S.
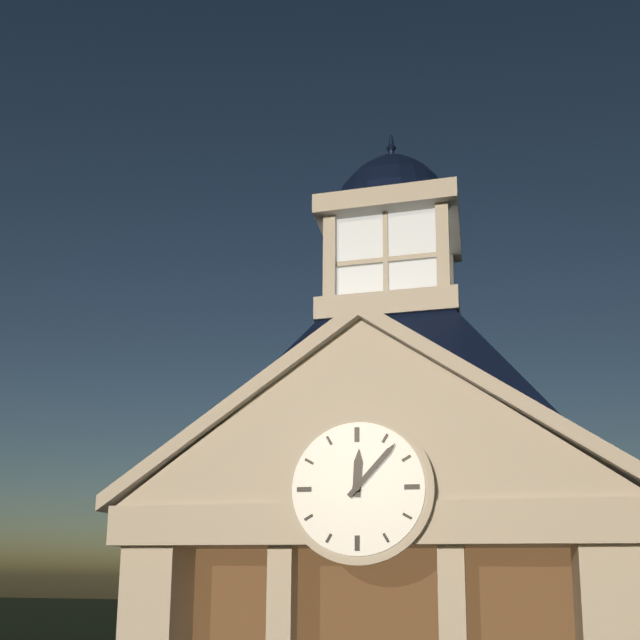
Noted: {"hour": 12, "minute": 7}
